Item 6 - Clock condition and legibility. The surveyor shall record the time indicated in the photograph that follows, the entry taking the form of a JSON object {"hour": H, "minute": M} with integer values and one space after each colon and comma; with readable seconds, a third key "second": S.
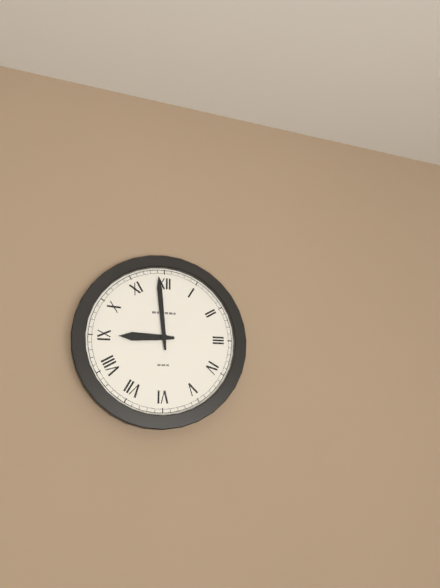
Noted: {"hour": 8, "minute": 59}
